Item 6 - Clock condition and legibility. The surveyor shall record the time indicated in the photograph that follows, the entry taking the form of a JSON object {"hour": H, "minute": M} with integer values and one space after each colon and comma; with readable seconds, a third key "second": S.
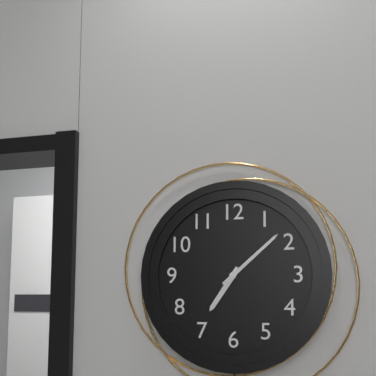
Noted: {"hour": 7, "minute": 8}
